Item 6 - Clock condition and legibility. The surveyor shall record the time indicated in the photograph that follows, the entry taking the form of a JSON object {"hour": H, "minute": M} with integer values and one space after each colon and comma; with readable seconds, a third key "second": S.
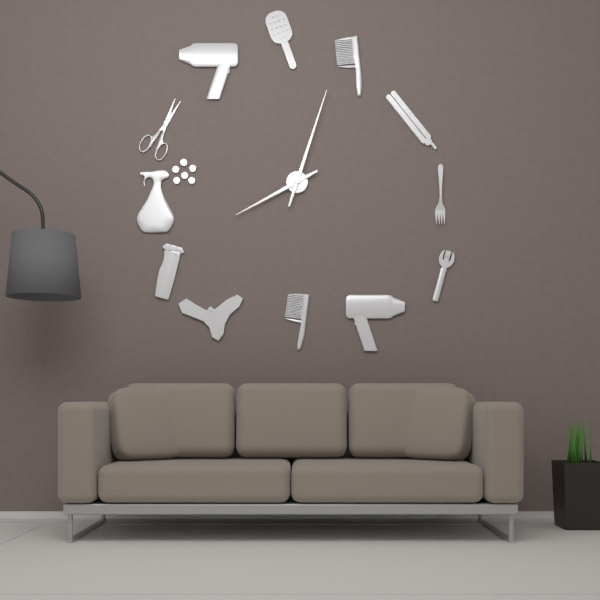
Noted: {"hour": 8, "minute": 3}
